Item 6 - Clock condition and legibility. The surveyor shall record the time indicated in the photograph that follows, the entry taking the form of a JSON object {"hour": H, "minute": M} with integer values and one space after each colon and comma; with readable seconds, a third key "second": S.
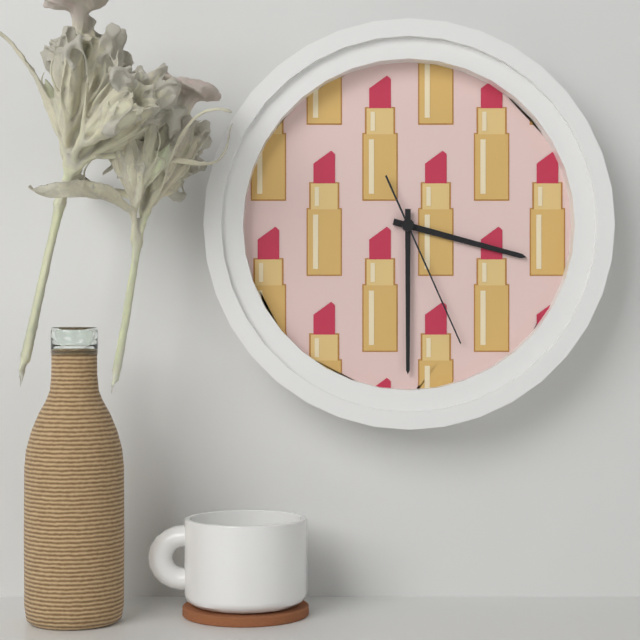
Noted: {"hour": 3, "minute": 30, "second": 26}
